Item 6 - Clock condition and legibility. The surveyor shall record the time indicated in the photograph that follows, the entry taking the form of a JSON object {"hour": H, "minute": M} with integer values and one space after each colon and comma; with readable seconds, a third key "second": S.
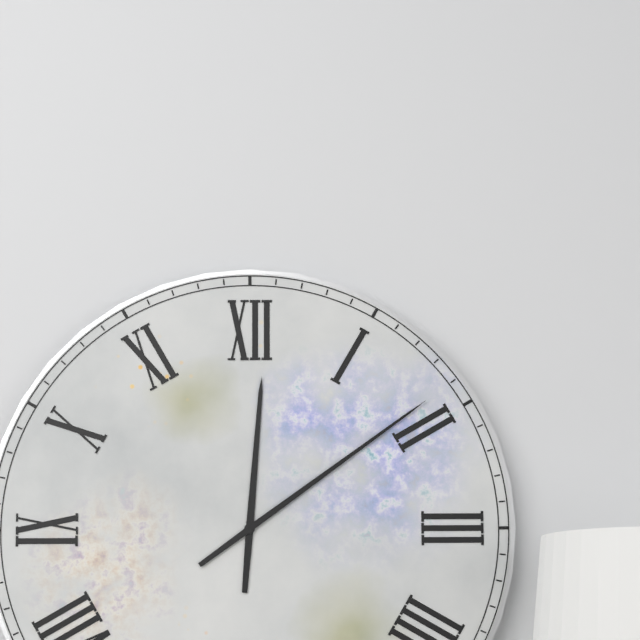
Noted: {"hour": 12, "minute": 9}
